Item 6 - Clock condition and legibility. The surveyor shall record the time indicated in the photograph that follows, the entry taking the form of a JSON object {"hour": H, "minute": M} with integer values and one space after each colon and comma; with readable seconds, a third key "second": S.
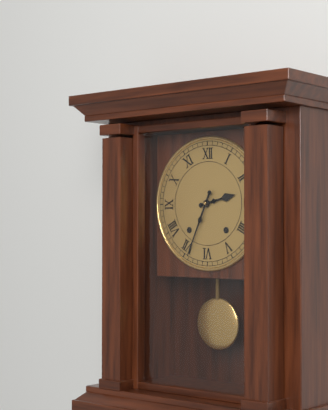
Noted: {"hour": 2, "minute": 34}
